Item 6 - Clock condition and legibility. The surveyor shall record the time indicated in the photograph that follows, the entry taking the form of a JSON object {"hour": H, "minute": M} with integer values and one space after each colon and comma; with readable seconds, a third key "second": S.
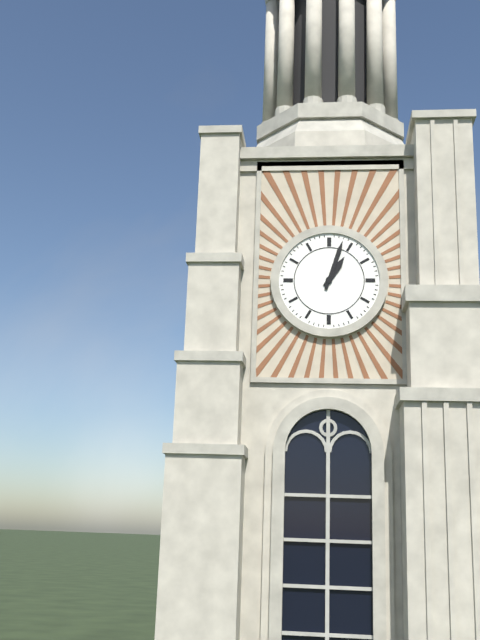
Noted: {"hour": 1, "minute": 3}
